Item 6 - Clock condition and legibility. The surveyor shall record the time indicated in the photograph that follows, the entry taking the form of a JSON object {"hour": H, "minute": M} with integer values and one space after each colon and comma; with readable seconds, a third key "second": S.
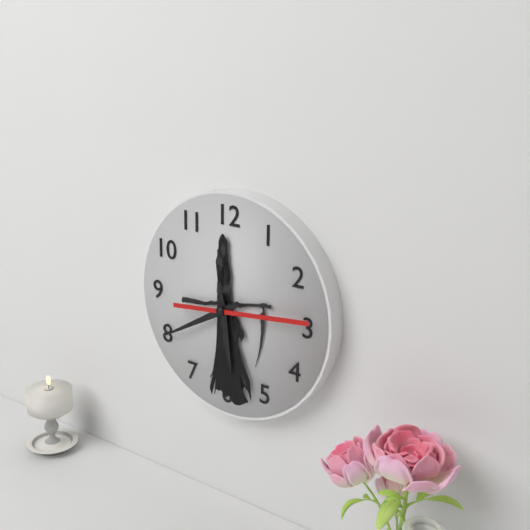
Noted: {"hour": 5, "minute": 40, "second": 14}
